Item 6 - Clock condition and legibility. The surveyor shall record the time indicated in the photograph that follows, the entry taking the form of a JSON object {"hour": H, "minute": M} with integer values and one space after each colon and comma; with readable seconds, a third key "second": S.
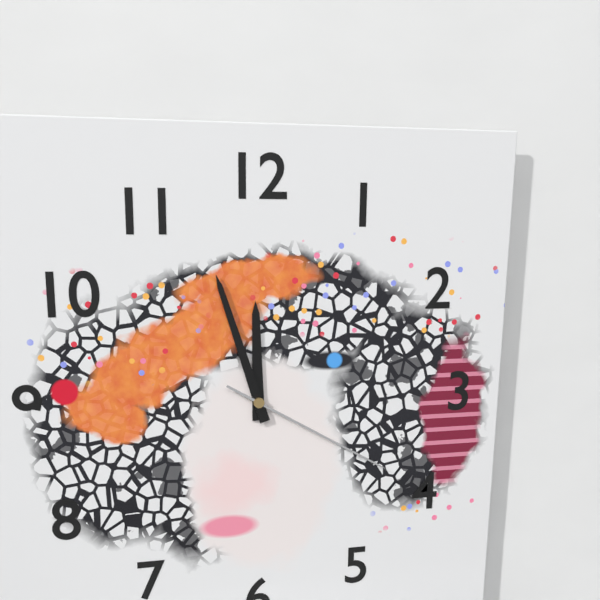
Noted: {"hour": 11, "minute": 57, "second": 20}
